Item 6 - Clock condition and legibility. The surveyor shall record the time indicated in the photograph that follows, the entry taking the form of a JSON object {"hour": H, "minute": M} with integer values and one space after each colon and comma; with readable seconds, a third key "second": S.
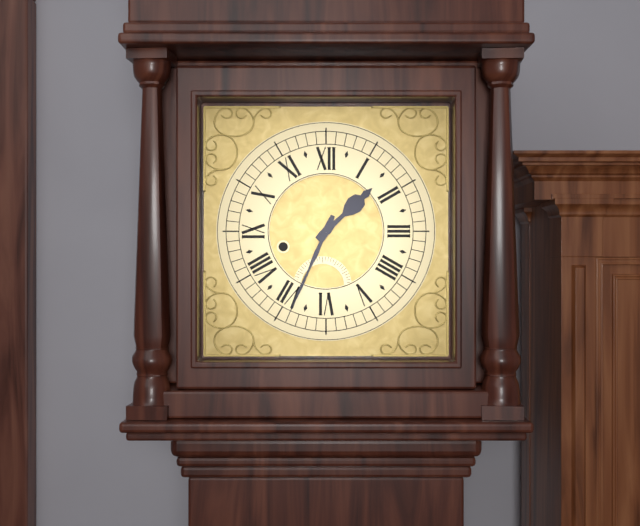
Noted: {"hour": 1, "minute": 34}
